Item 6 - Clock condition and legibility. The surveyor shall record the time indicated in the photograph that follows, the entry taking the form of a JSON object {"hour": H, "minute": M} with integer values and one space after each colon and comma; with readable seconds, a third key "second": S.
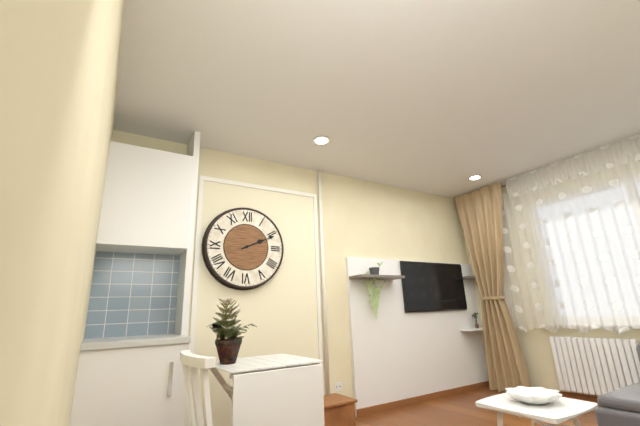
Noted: {"hour": 2, "minute": 11}
